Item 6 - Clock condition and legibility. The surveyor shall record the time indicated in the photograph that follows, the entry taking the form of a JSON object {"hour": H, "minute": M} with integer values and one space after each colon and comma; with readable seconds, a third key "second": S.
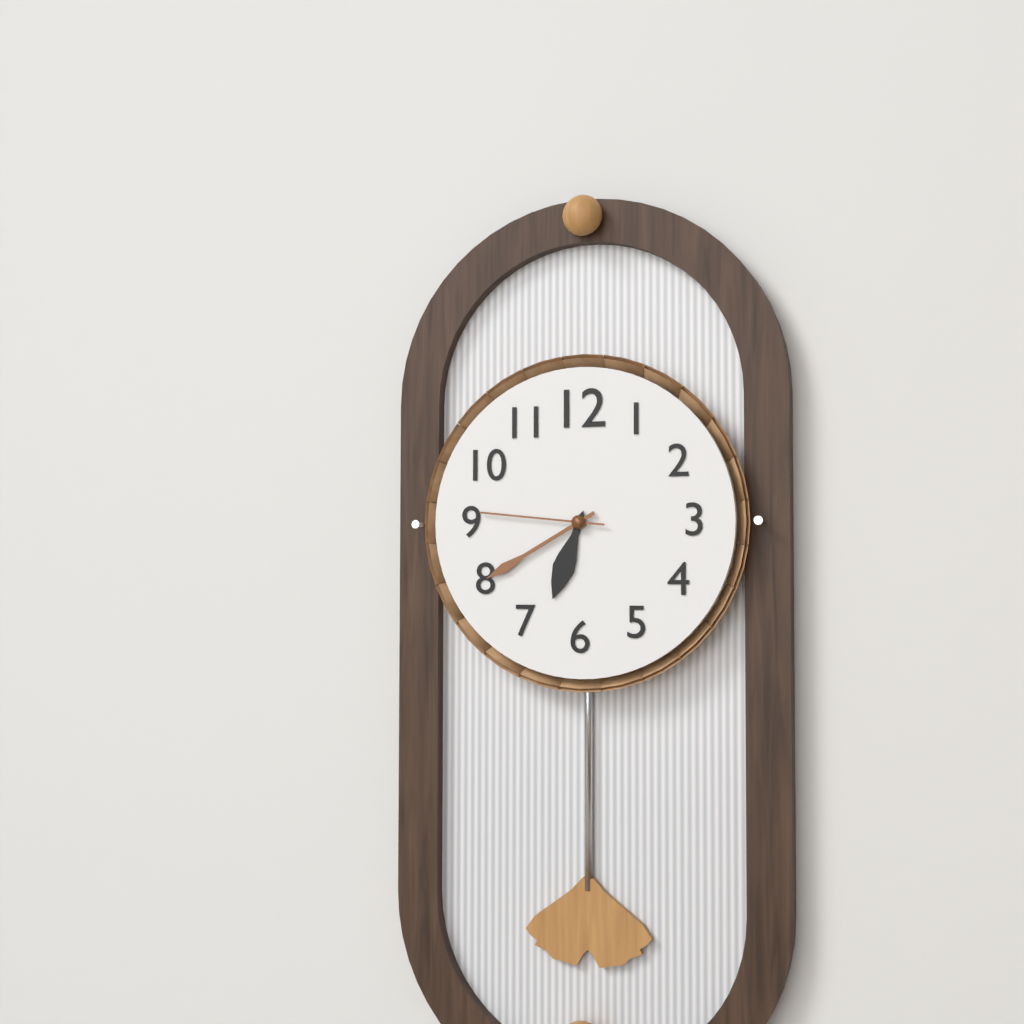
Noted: {"hour": 6, "minute": 40, "second": 46}
